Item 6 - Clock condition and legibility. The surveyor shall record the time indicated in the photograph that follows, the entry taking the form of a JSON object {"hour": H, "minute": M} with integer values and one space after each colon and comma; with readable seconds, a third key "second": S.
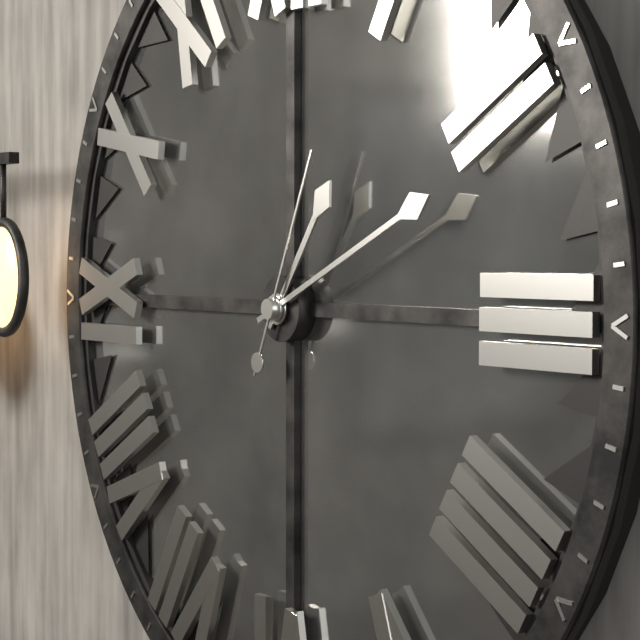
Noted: {"hour": 1, "minute": 11, "second": 4}
